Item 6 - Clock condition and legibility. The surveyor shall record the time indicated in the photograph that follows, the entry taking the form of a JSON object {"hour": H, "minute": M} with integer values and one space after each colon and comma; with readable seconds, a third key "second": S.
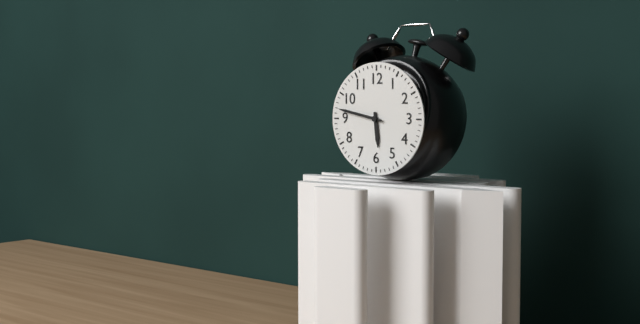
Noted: {"hour": 5, "minute": 47}
